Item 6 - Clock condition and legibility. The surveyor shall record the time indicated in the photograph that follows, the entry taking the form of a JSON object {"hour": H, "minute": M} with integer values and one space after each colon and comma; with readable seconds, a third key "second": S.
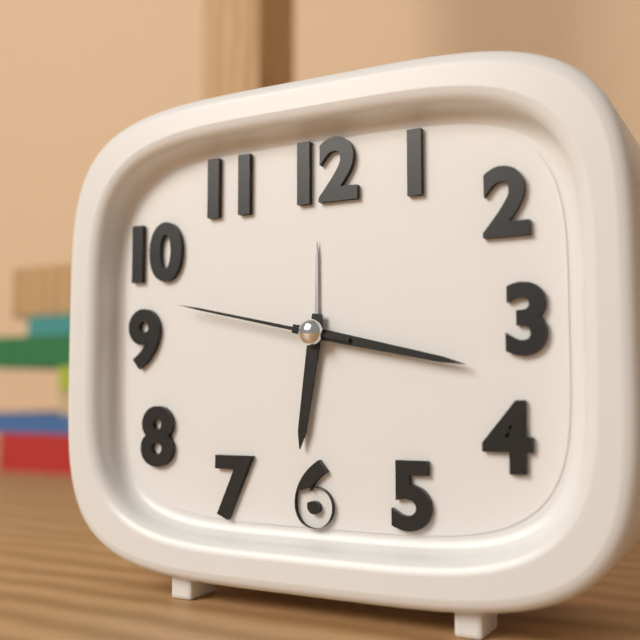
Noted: {"hour": 6, "minute": 17, "second": 47}
